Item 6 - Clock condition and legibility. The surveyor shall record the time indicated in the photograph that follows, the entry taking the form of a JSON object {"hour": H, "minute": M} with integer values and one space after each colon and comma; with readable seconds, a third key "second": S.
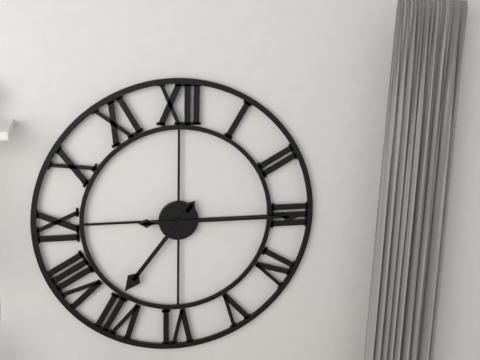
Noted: {"hour": 7, "minute": 15}
